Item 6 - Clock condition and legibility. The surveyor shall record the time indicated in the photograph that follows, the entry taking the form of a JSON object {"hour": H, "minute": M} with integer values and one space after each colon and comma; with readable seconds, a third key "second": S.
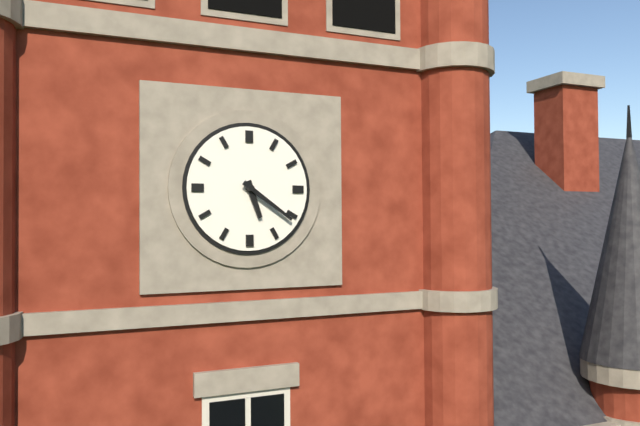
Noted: {"hour": 5, "minute": 21}
